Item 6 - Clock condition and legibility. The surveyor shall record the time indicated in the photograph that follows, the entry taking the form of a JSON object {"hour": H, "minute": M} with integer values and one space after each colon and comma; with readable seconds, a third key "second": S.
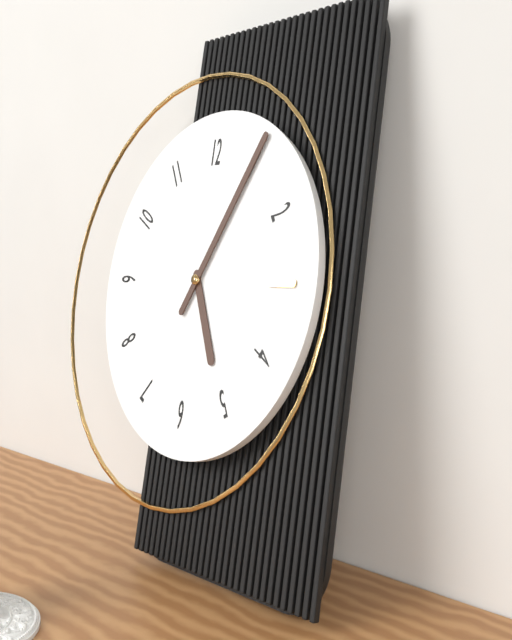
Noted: {"hour": 5, "minute": 5}
